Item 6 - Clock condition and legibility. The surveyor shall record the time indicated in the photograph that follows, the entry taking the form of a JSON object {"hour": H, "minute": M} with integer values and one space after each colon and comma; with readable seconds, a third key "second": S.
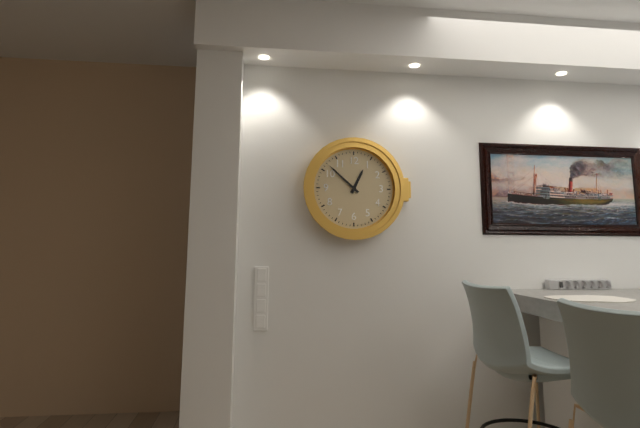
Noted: {"hour": 12, "minute": 52}
